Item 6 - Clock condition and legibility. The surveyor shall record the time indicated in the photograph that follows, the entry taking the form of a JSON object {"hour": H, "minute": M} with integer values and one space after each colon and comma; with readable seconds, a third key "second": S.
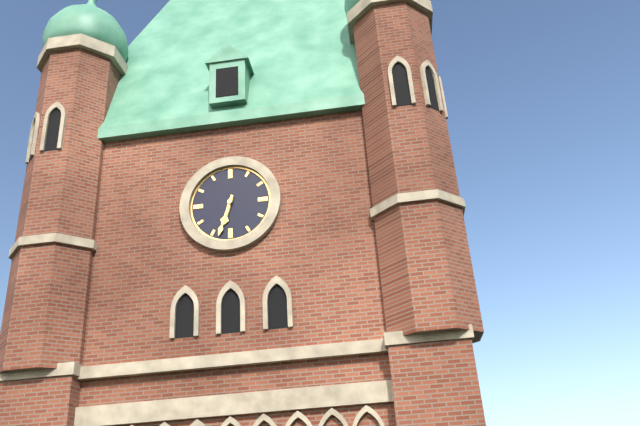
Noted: {"hour": 6, "minute": 33}
